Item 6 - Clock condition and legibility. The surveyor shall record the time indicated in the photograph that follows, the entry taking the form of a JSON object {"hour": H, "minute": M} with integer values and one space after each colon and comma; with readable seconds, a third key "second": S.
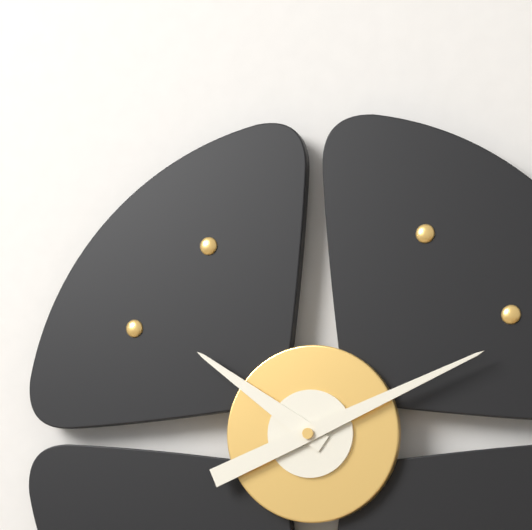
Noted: {"hour": 10, "minute": 11}
